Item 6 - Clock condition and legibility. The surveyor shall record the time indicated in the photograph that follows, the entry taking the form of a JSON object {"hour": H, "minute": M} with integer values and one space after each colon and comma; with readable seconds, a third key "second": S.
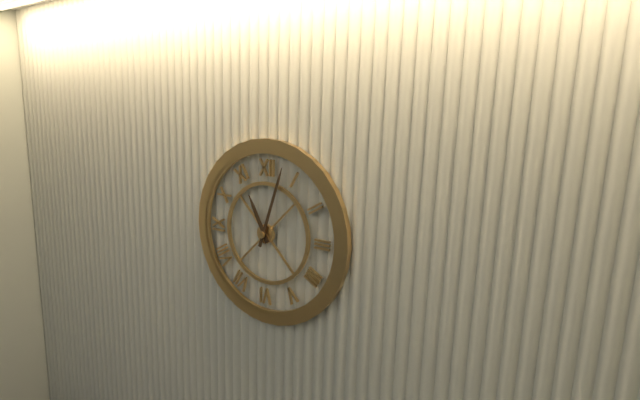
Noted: {"hour": 11, "minute": 3}
